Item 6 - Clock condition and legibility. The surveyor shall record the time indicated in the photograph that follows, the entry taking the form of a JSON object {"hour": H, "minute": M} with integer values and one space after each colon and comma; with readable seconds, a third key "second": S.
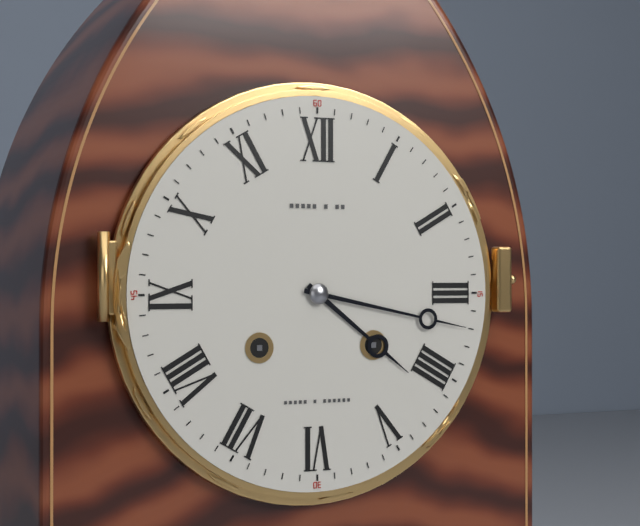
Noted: {"hour": 4, "minute": 17}
